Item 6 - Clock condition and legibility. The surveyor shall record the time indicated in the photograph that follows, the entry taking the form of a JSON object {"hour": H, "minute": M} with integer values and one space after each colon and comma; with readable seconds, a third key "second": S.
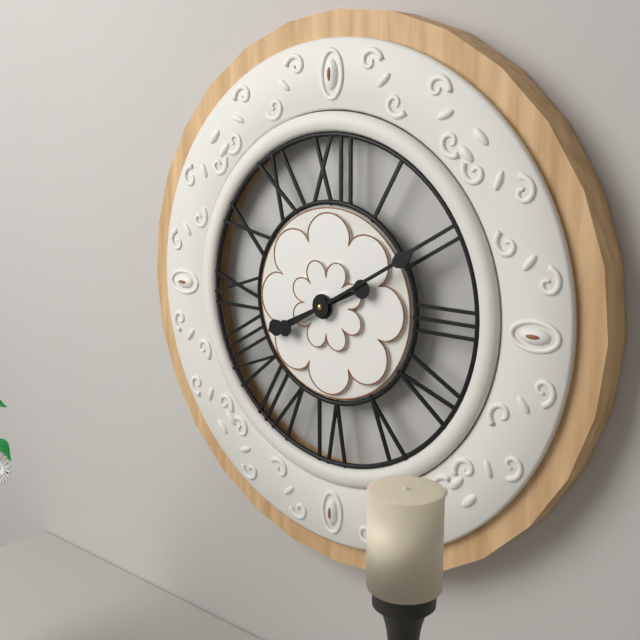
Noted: {"hour": 8, "minute": 10}
